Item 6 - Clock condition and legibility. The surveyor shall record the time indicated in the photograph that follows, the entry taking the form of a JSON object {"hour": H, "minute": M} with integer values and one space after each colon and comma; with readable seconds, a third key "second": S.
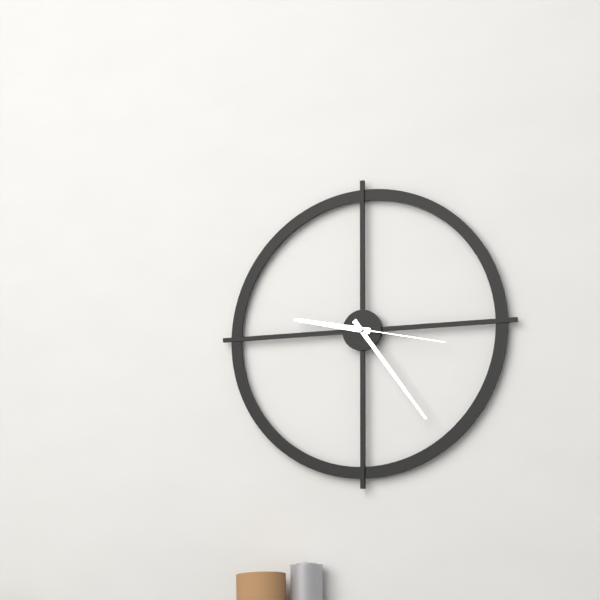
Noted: {"hour": 9, "minute": 24, "second": 17}
